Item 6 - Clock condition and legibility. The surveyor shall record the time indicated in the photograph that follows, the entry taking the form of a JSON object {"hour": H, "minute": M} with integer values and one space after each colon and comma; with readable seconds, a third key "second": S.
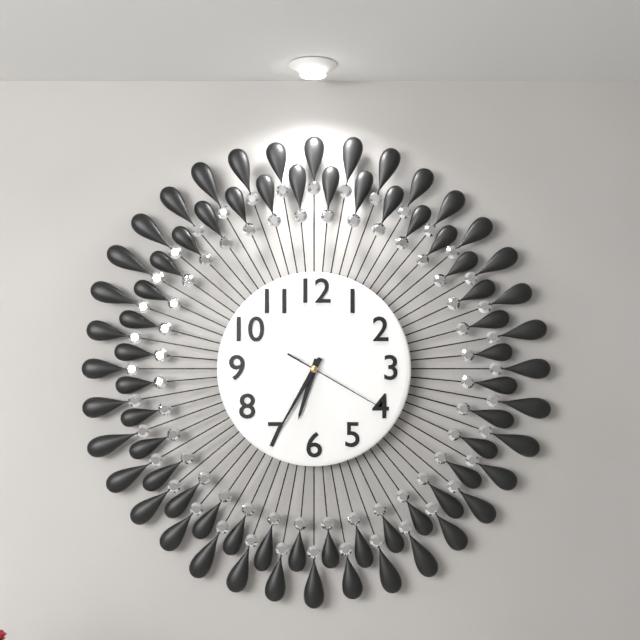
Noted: {"hour": 6, "minute": 35, "second": 20}
